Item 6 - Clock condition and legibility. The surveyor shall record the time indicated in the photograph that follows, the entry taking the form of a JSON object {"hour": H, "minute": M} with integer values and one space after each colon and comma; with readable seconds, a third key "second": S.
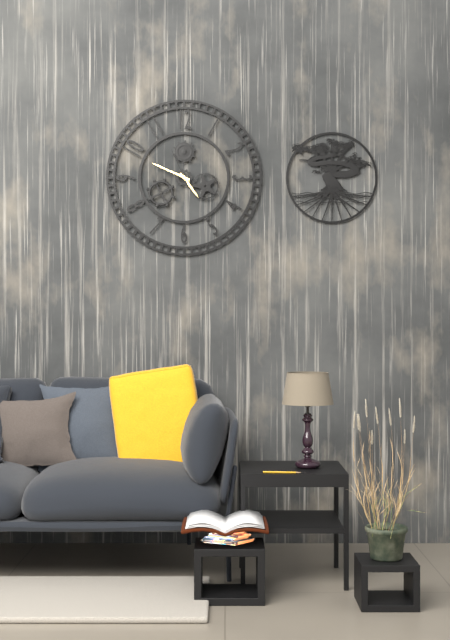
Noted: {"hour": 4, "minute": 49}
